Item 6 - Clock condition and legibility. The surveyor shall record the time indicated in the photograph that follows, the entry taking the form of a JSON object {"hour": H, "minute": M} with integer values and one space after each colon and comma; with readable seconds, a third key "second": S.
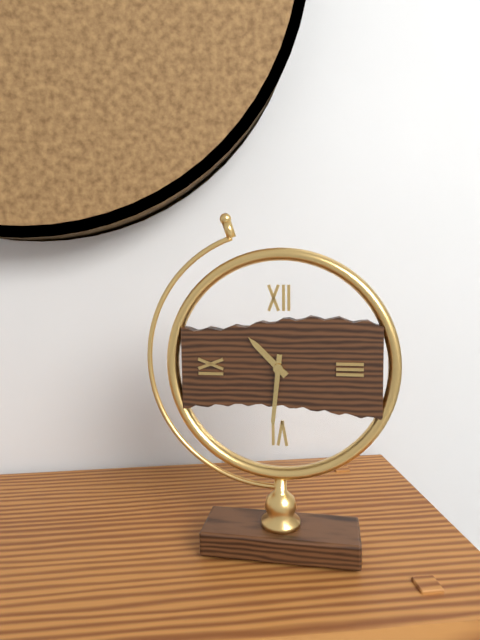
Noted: {"hour": 10, "minute": 31}
